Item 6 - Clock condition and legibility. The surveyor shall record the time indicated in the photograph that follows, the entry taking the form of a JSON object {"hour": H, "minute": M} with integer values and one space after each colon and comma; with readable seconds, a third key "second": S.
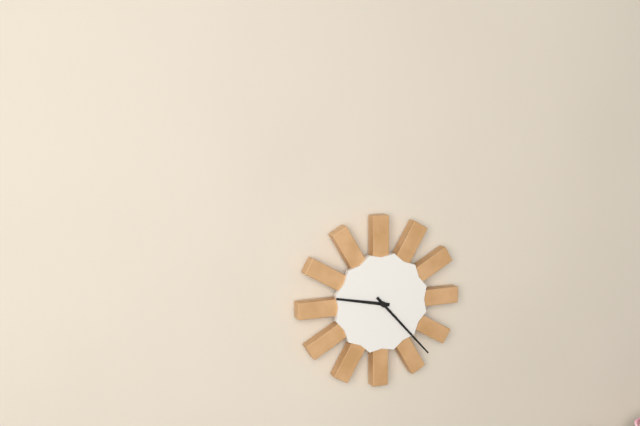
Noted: {"hour": 9, "minute": 23}
